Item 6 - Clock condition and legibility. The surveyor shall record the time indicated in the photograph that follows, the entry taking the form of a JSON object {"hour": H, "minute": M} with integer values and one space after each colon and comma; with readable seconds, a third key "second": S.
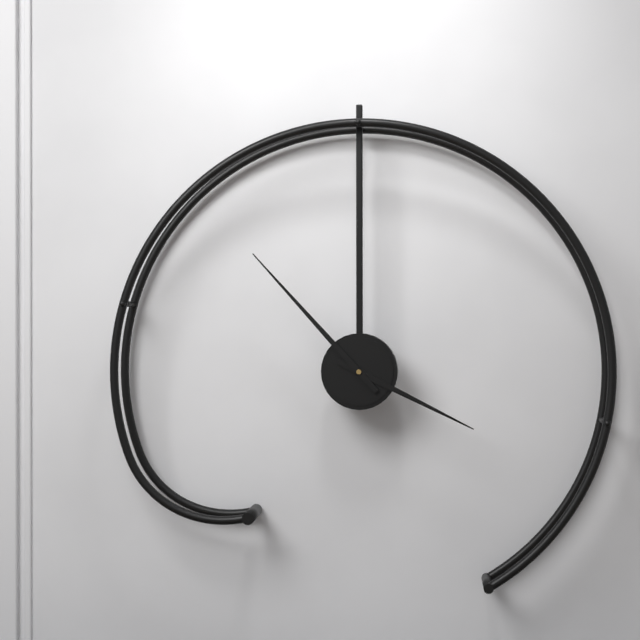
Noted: {"hour": 3, "minute": 53}
